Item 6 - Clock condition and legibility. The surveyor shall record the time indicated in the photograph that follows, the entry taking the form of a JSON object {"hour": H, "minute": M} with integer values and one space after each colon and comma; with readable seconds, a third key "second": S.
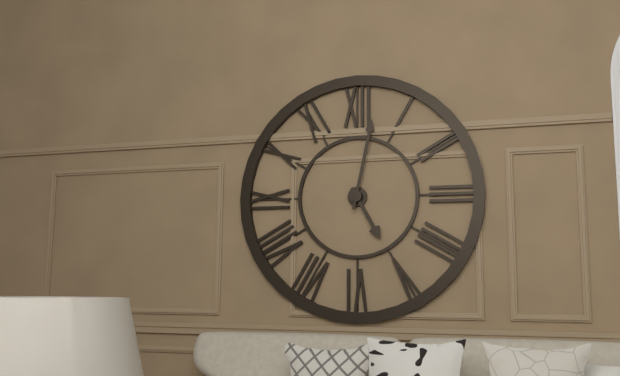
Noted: {"hour": 5, "minute": 2}
